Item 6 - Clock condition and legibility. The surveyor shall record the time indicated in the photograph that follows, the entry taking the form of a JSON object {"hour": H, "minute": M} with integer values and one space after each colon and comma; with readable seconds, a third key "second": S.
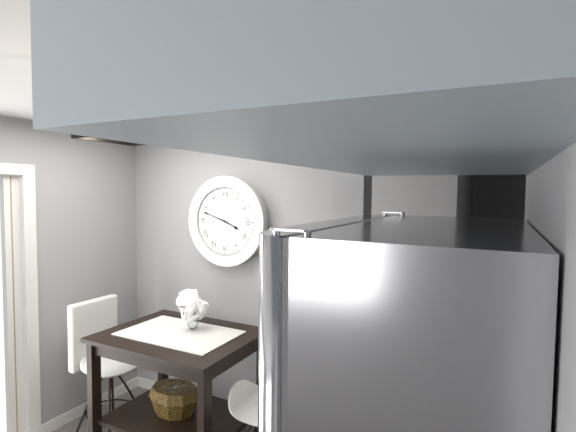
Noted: {"hour": 3, "minute": 48}
